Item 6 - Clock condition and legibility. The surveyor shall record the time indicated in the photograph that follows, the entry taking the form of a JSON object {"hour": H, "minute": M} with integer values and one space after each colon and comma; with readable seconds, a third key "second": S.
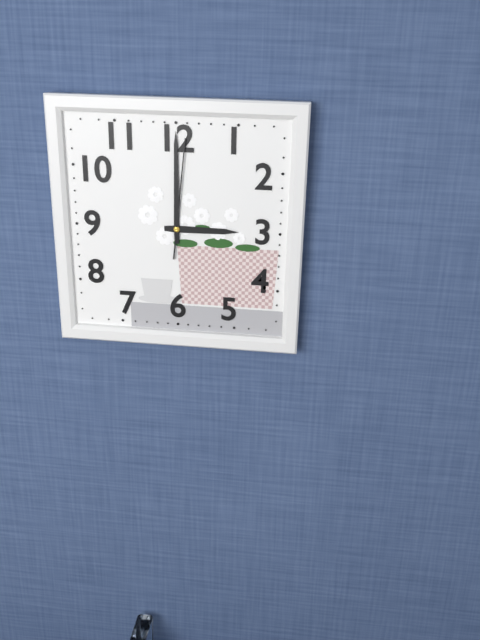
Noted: {"hour": 3, "minute": 0, "second": 1}
